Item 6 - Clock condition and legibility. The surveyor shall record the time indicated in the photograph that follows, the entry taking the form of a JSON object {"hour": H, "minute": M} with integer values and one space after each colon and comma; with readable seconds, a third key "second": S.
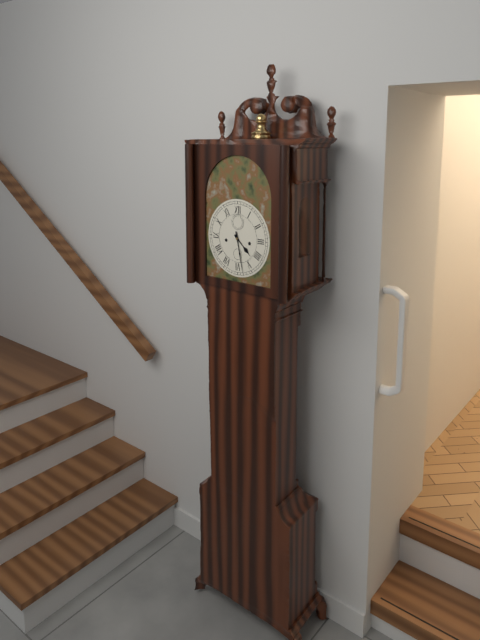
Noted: {"hour": 4, "minute": 28}
